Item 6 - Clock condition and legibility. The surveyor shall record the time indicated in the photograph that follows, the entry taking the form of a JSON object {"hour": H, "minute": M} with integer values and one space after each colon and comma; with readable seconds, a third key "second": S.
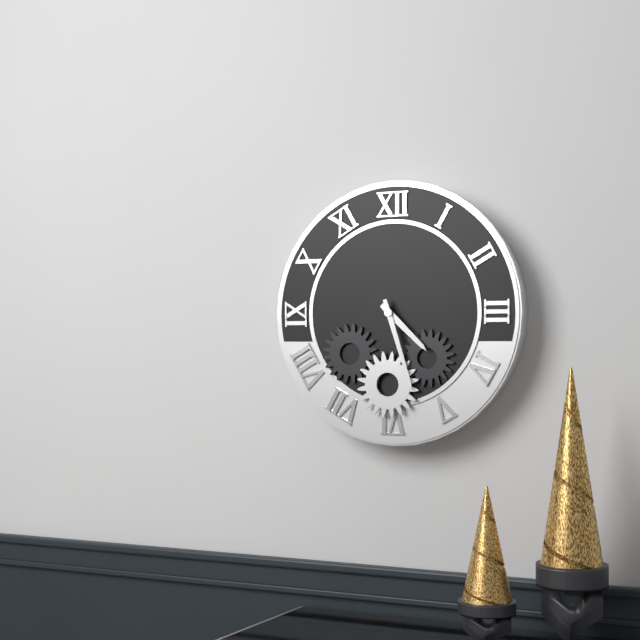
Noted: {"hour": 4, "minute": 27}
